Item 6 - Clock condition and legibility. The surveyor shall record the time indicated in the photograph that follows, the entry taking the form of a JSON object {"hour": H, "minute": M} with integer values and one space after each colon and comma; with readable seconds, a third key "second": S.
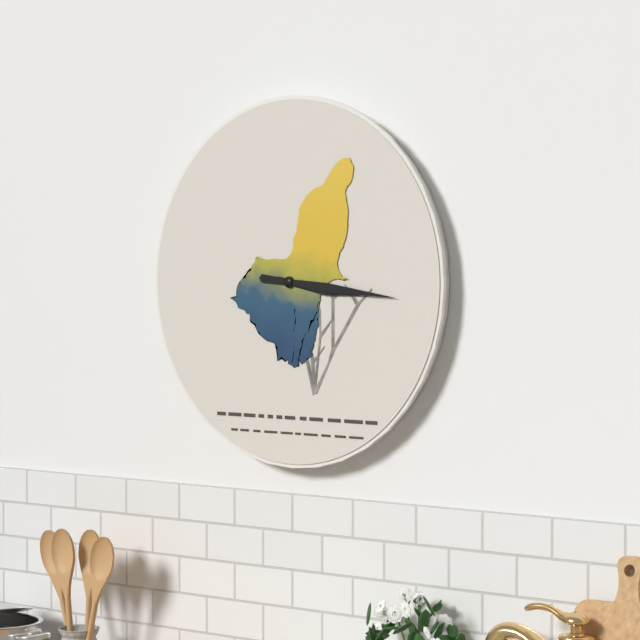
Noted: {"hour": 3, "minute": 16}
